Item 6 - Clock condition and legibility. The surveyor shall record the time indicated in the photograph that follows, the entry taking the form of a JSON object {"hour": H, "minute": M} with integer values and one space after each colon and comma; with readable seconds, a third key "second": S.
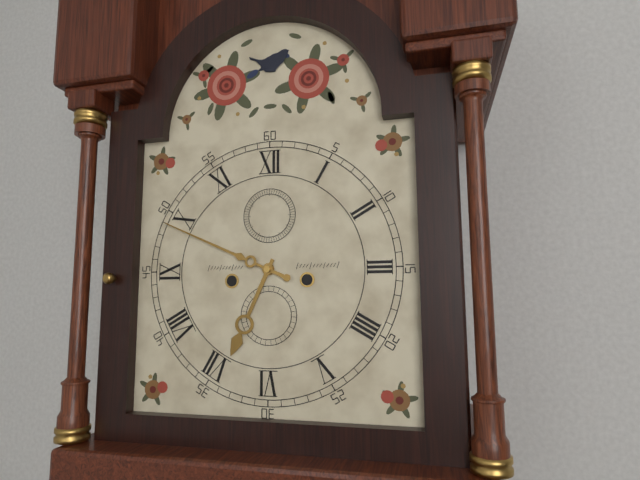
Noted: {"hour": 6, "minute": 49}
